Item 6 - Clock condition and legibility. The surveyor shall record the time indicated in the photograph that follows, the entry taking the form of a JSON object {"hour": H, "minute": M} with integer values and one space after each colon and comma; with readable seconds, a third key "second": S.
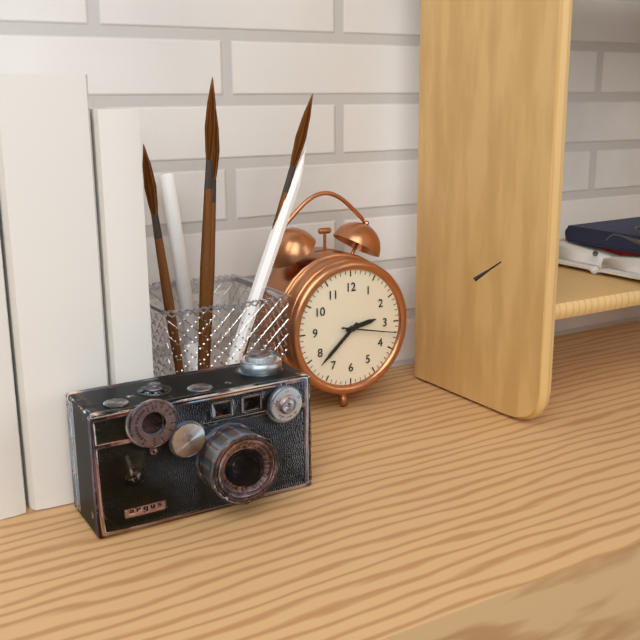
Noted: {"hour": 2, "minute": 38, "second": 17}
